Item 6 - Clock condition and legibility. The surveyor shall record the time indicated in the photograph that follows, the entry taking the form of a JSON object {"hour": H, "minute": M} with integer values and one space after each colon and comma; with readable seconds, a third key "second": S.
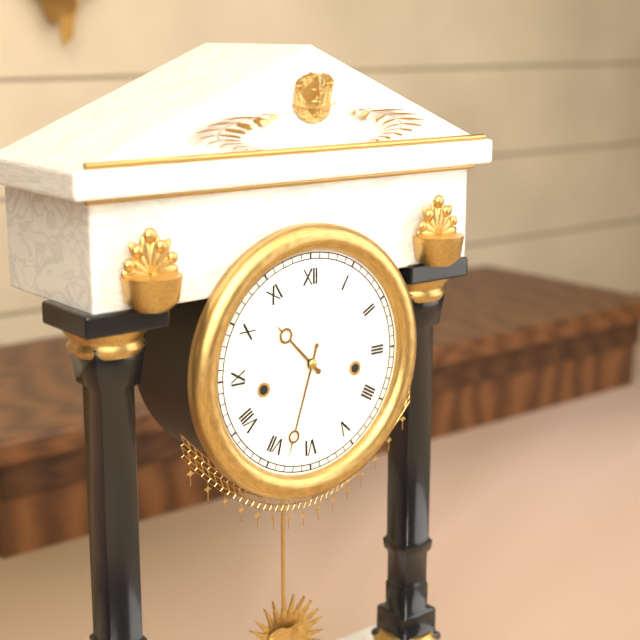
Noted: {"hour": 10, "minute": 33}
